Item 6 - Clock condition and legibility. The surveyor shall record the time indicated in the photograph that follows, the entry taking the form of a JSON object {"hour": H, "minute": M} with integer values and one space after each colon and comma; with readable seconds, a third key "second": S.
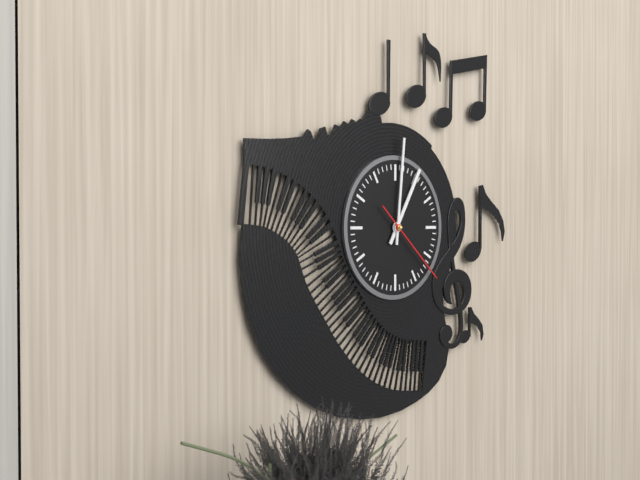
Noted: {"hour": 1, "minute": 1, "second": 22}
